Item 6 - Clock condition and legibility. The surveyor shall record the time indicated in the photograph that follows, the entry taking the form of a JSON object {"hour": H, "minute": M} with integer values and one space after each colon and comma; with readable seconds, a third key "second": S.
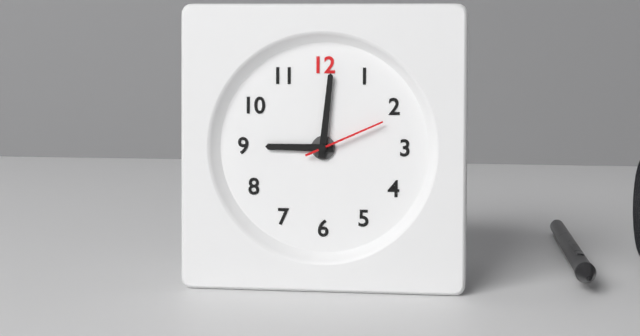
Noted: {"hour": 9, "minute": 1, "second": 11}
